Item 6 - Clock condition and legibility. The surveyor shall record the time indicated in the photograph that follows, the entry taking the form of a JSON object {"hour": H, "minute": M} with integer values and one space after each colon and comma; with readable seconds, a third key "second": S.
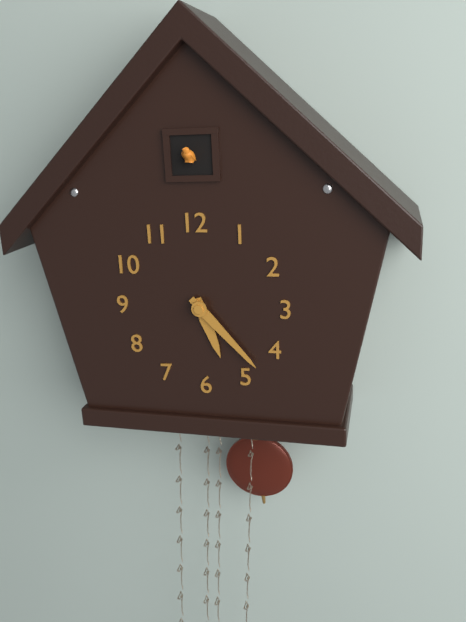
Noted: {"hour": 5, "minute": 23}
